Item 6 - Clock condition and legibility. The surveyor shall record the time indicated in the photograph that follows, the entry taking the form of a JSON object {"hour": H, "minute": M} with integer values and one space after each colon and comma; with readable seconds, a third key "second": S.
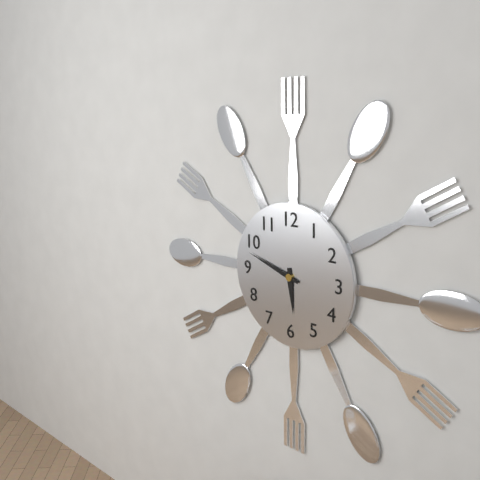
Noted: {"hour": 5, "minute": 48}
